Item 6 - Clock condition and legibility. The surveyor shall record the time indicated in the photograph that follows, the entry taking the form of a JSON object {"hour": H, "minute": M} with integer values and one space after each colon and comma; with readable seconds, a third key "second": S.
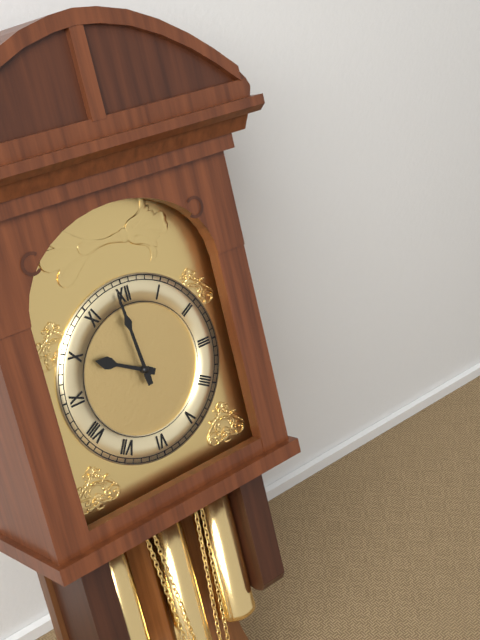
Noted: {"hour": 9, "minute": 59}
